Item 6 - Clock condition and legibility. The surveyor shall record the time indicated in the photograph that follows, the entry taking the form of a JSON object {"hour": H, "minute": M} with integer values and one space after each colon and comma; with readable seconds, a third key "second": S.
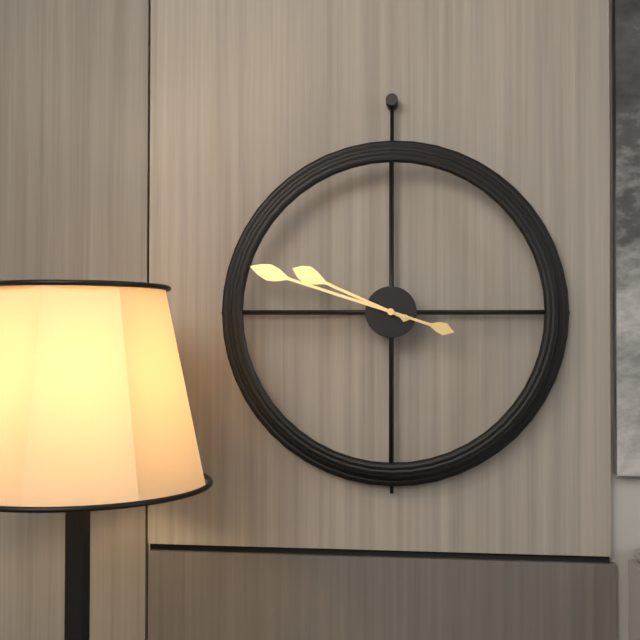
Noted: {"hour": 9, "minute": 48}
